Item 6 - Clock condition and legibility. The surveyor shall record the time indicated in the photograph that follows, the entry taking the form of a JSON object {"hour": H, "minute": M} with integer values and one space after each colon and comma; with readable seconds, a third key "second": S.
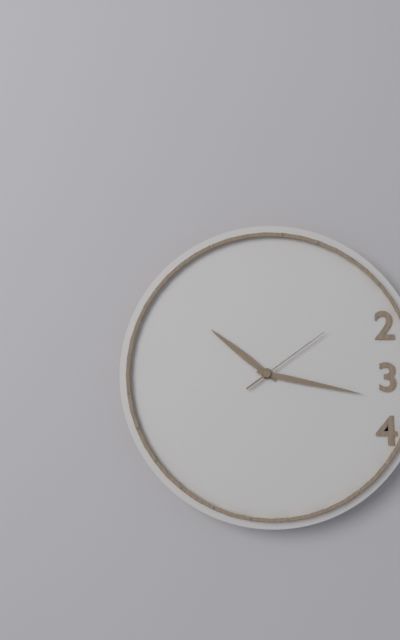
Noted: {"hour": 10, "minute": 17, "second": 9}
